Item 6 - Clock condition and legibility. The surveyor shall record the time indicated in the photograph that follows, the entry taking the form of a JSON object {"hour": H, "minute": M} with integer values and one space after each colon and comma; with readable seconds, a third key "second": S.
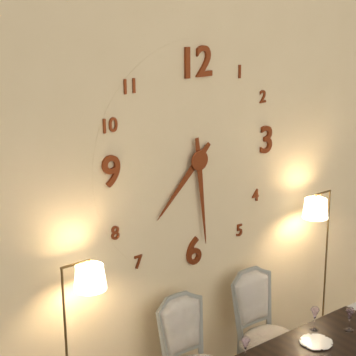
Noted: {"hour": 7, "minute": 29}
